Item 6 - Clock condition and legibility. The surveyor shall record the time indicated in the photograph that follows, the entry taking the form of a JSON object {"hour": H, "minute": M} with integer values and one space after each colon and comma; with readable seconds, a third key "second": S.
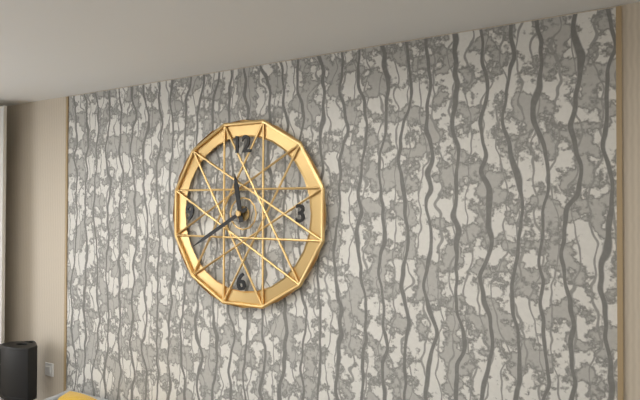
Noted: {"hour": 11, "minute": 40}
